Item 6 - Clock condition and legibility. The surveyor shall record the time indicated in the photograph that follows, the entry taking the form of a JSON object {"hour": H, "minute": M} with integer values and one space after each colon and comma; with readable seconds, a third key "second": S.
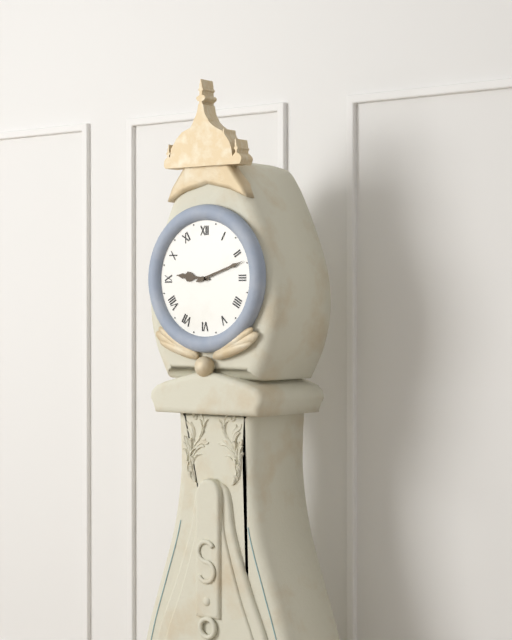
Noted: {"hour": 9, "minute": 12}
